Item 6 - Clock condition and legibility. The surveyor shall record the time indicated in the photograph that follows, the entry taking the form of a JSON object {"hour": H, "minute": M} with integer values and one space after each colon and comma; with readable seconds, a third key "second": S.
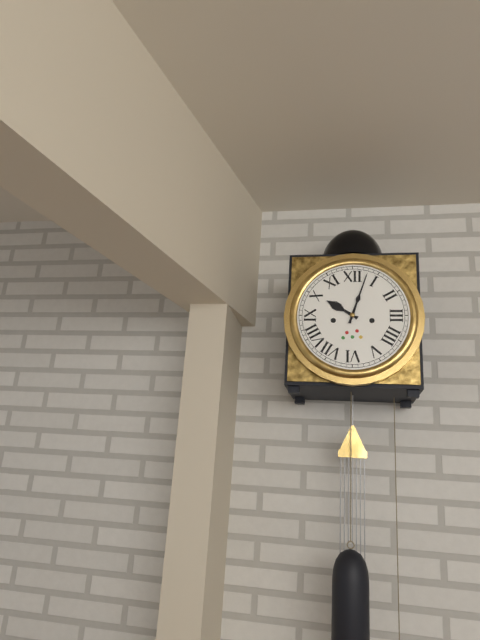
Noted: {"hour": 10, "minute": 3}
